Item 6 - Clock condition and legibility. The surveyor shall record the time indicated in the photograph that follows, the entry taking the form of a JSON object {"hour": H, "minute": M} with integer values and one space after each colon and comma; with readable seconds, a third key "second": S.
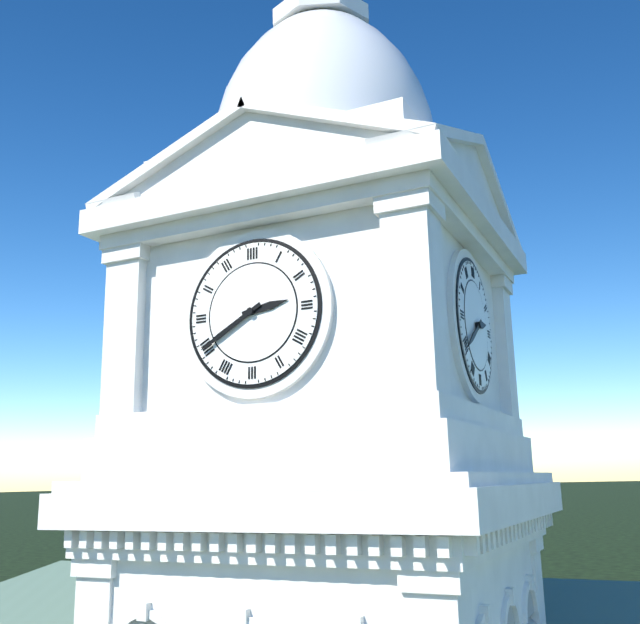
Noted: {"hour": 2, "minute": 40}
